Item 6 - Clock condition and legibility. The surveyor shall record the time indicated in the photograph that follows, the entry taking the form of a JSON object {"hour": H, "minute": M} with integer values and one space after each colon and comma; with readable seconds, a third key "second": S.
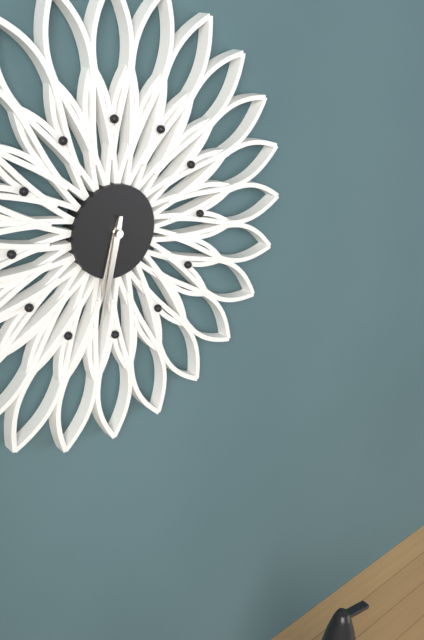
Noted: {"hour": 6, "minute": 32}
